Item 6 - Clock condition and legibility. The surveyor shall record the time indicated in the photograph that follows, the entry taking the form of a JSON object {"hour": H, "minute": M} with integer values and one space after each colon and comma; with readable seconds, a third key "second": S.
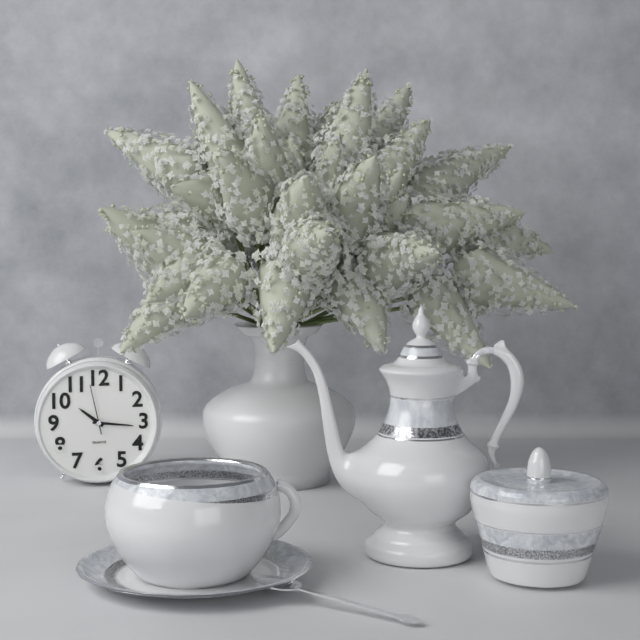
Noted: {"hour": 10, "minute": 16}
